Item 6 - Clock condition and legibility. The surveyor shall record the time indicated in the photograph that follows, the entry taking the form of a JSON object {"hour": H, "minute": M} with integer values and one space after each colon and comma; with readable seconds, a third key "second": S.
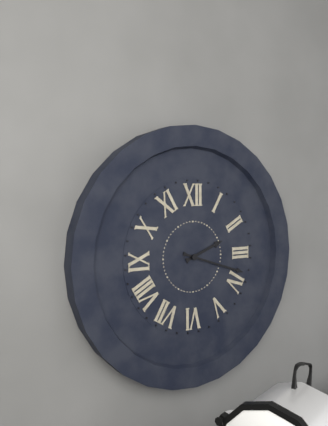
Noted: {"hour": 2, "minute": 18}
